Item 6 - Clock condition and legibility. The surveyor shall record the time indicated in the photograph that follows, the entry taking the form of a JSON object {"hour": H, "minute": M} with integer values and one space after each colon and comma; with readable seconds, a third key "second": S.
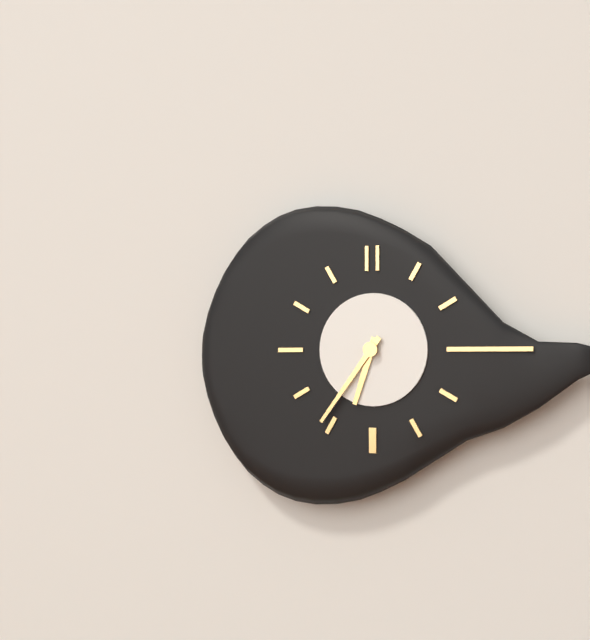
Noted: {"hour": 6, "minute": 36}
